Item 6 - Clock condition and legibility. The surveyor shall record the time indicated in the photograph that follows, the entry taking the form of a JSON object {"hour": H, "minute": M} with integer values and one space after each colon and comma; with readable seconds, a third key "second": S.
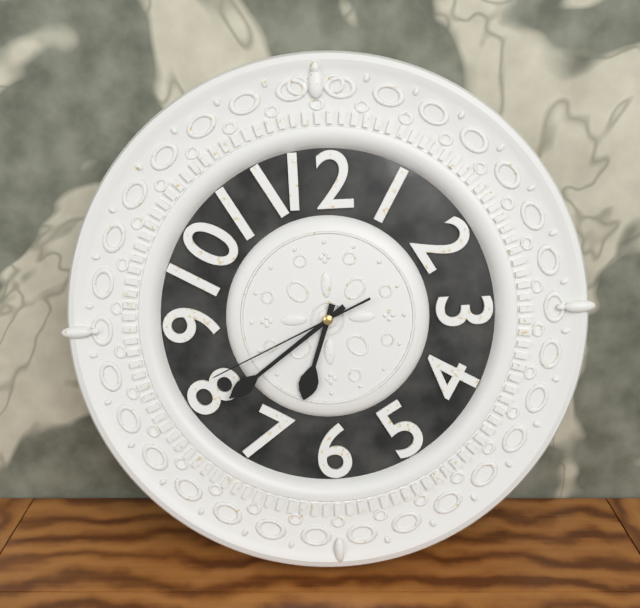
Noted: {"hour": 6, "minute": 39, "second": 41}
